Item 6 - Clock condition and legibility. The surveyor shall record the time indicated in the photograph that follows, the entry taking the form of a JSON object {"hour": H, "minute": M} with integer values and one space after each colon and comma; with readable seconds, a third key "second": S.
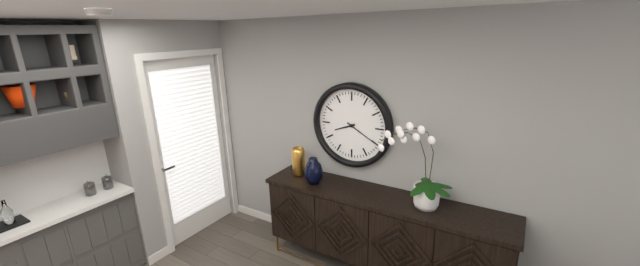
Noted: {"hour": 8, "minute": 20}
